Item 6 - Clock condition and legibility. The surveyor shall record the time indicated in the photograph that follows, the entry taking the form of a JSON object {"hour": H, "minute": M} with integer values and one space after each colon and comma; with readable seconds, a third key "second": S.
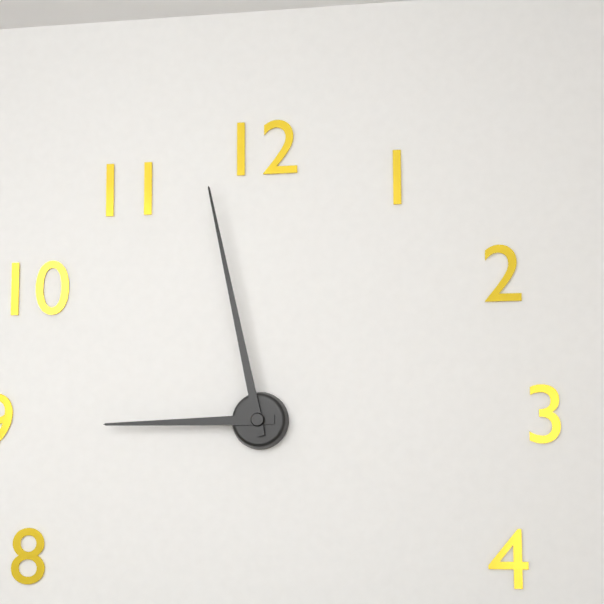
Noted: {"hour": 8, "minute": 58}
